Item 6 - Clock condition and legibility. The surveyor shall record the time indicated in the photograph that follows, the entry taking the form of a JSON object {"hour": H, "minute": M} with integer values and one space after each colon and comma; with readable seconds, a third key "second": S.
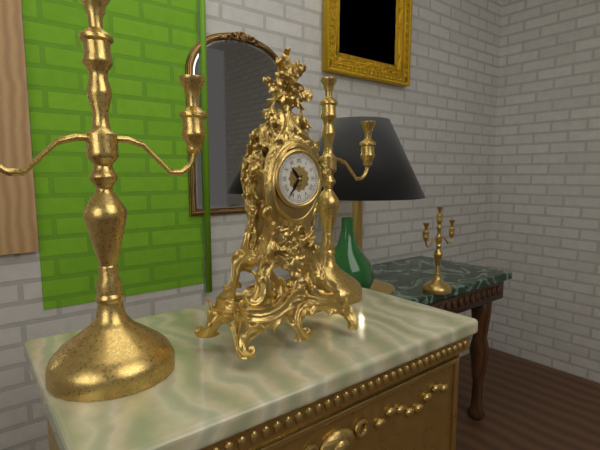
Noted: {"hour": 10, "minute": 36}
